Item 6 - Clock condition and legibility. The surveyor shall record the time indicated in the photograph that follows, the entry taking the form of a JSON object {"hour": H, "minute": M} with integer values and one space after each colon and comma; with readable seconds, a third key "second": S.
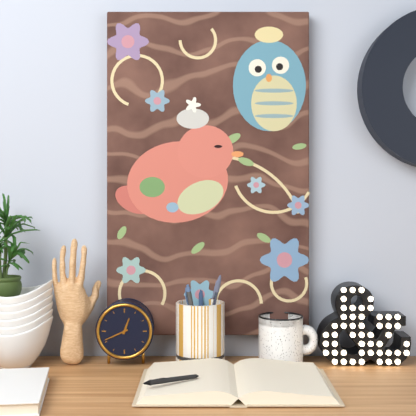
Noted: {"hour": 12, "minute": 41}
